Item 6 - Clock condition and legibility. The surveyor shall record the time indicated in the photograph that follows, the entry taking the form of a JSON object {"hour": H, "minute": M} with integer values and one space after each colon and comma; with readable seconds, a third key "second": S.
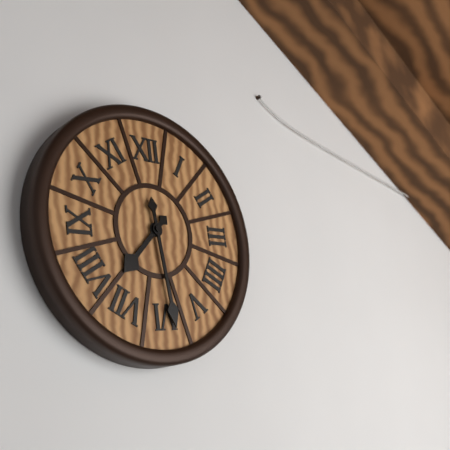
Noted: {"hour": 7, "minute": 29}
